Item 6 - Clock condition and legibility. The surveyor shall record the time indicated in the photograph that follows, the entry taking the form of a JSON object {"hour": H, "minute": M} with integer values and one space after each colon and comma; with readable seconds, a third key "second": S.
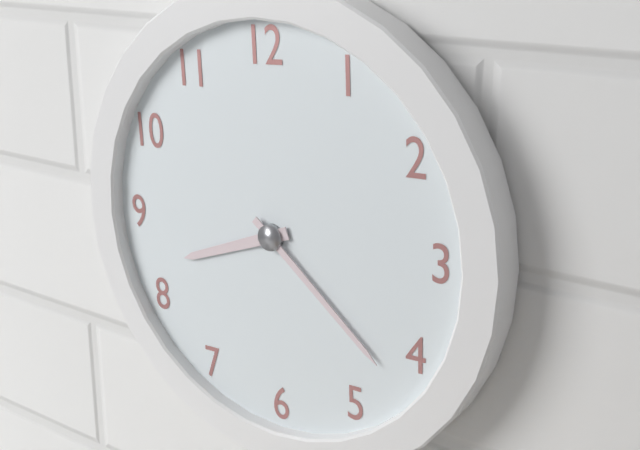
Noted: {"hour": 8, "minute": 22}
